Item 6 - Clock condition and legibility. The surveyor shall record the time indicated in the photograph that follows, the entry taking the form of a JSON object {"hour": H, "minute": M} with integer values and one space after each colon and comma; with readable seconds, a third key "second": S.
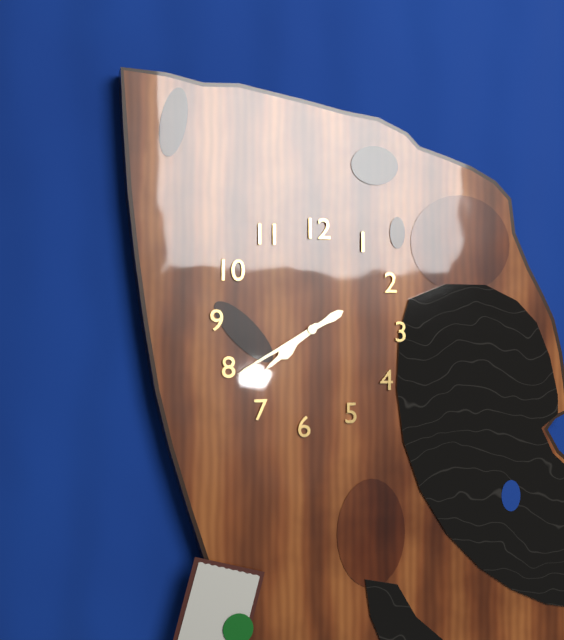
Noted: {"hour": 7, "minute": 40}
